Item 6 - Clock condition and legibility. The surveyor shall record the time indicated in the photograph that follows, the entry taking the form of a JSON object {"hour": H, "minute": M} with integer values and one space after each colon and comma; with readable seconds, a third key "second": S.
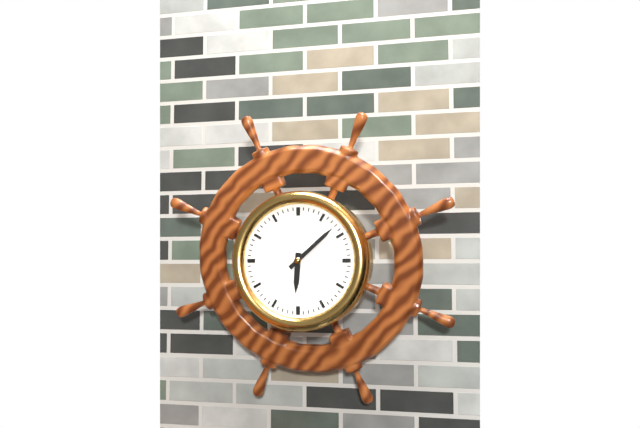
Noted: {"hour": 6, "minute": 8}
